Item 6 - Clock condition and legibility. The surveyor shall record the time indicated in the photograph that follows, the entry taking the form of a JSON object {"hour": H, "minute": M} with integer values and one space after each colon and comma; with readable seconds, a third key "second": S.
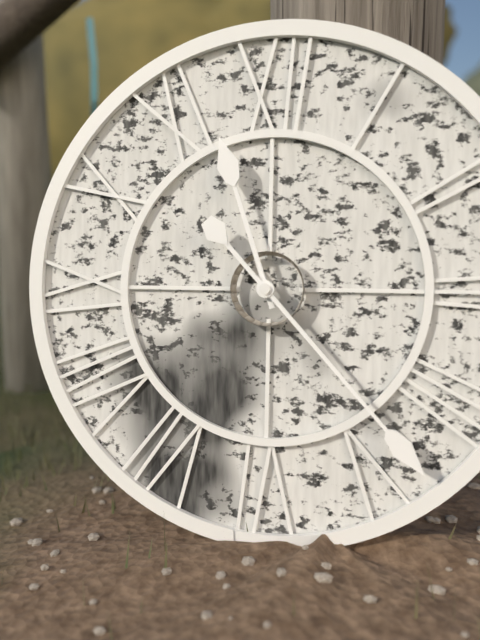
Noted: {"hour": 11, "minute": 23}
